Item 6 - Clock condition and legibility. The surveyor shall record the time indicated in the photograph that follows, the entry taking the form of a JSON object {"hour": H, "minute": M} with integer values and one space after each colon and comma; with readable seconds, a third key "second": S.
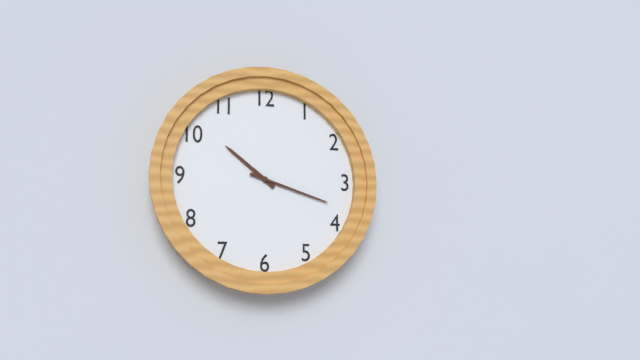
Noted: {"hour": 10, "minute": 18}
